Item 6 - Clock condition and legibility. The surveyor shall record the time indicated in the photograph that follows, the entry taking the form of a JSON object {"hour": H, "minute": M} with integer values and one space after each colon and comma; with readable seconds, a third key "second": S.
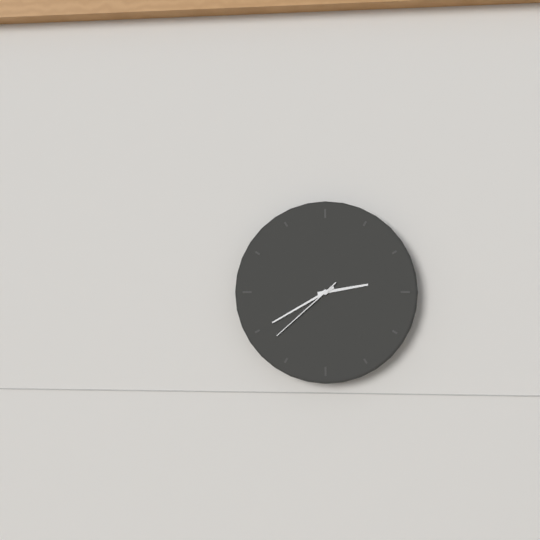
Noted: {"hour": 2, "minute": 40, "second": 38}
